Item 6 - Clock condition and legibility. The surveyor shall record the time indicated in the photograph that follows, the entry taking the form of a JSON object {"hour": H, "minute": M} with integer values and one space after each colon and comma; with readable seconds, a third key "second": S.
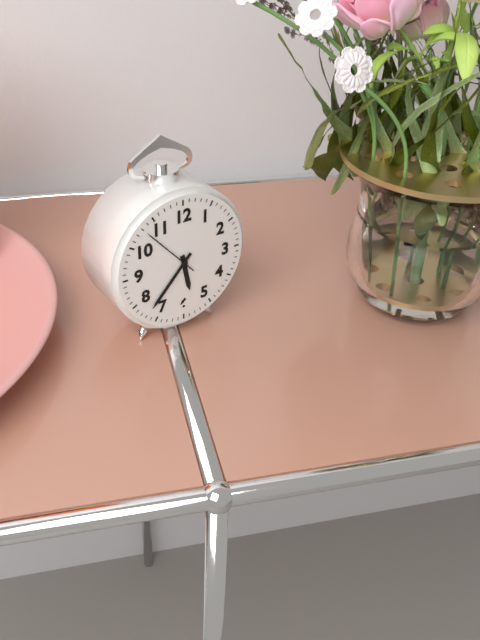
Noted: {"hour": 5, "minute": 37, "second": 53}
